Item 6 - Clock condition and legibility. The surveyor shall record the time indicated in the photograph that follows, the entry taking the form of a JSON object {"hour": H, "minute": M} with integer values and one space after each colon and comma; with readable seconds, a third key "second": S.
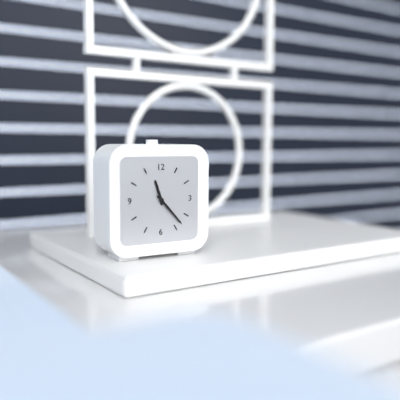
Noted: {"hour": 11, "minute": 23}
